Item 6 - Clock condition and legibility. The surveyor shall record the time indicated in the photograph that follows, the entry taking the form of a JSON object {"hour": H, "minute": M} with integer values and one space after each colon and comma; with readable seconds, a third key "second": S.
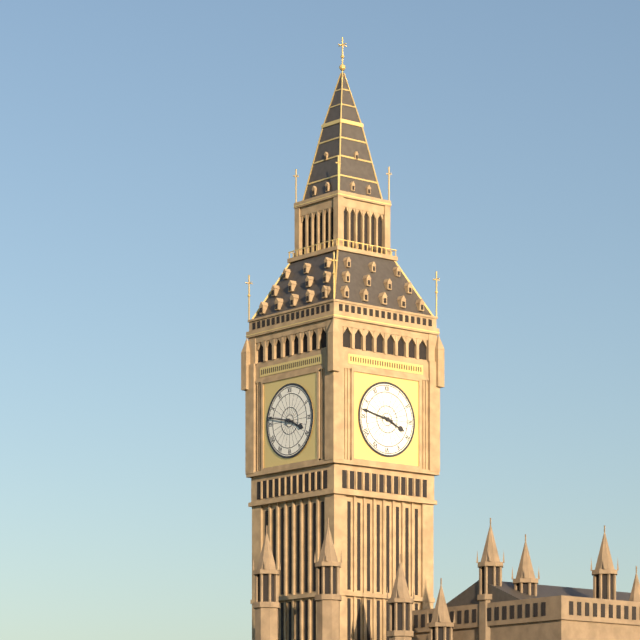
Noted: {"hour": 3, "minute": 47}
